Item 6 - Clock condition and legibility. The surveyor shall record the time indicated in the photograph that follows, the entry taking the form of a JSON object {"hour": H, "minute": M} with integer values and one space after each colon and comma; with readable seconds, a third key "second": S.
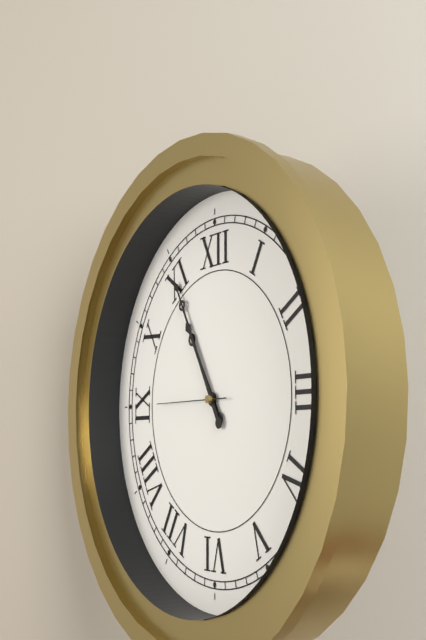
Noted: {"hour": 10, "minute": 55, "second": 45}
